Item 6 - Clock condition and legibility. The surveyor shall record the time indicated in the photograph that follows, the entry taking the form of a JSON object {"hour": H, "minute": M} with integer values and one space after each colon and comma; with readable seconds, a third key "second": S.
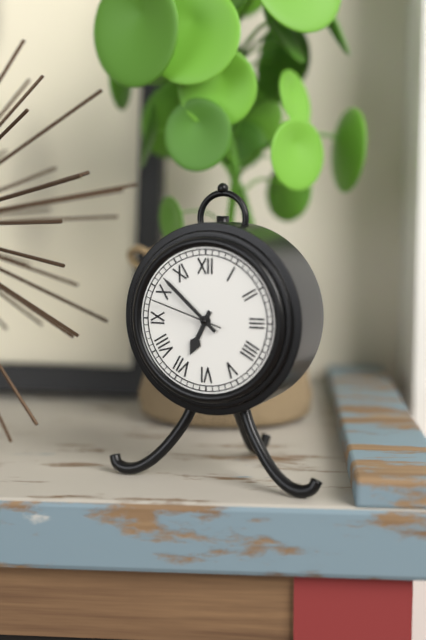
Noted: {"hour": 6, "minute": 52, "second": 48}
